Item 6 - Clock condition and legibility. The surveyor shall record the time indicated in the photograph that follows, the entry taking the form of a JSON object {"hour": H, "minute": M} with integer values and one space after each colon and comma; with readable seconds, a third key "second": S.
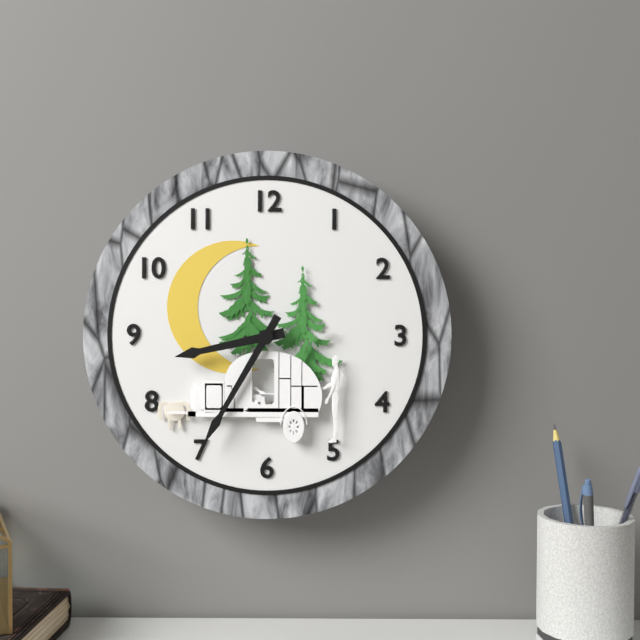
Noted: {"hour": 8, "minute": 35}
